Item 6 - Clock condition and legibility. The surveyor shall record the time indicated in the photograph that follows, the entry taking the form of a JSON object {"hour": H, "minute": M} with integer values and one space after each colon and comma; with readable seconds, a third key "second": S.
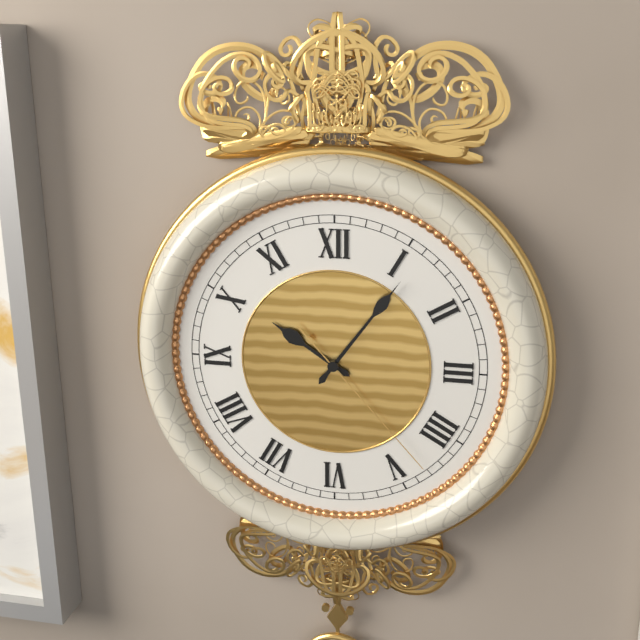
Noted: {"hour": 10, "minute": 6, "second": 23}
